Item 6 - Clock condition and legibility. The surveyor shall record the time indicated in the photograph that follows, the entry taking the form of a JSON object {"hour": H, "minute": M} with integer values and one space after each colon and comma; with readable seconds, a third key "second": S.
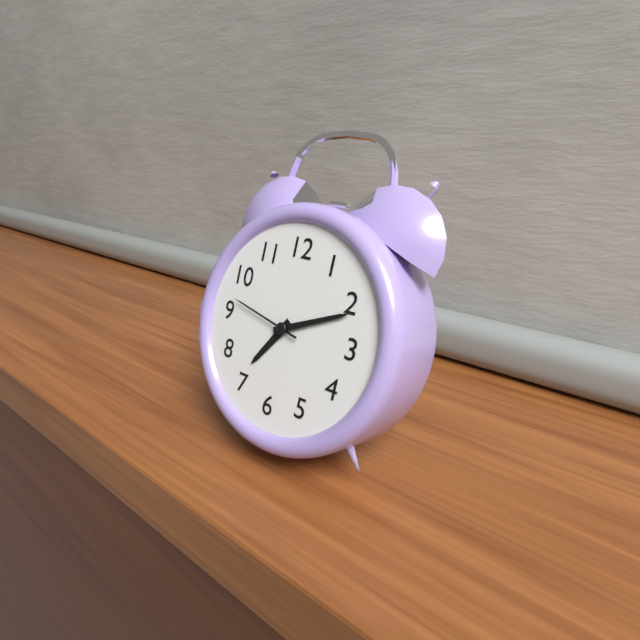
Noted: {"hour": 7, "minute": 11, "second": 47}
